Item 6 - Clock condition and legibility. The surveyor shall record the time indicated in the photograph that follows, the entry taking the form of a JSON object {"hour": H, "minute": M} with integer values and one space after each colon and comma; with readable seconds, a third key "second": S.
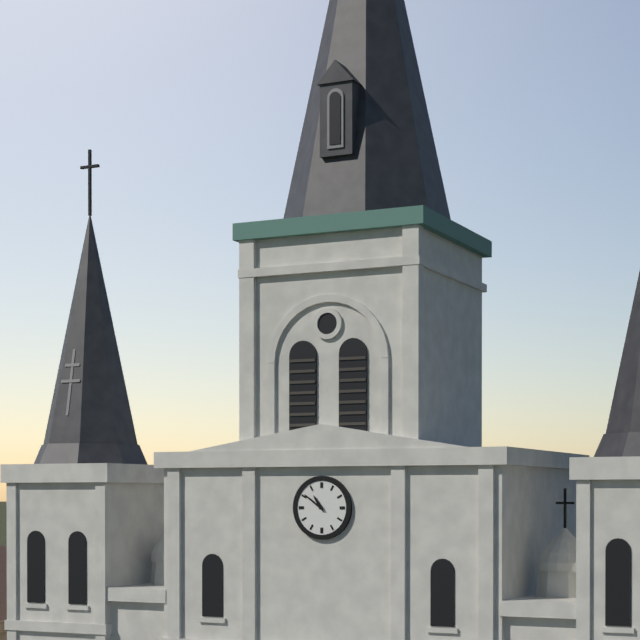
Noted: {"hour": 10, "minute": 51}
